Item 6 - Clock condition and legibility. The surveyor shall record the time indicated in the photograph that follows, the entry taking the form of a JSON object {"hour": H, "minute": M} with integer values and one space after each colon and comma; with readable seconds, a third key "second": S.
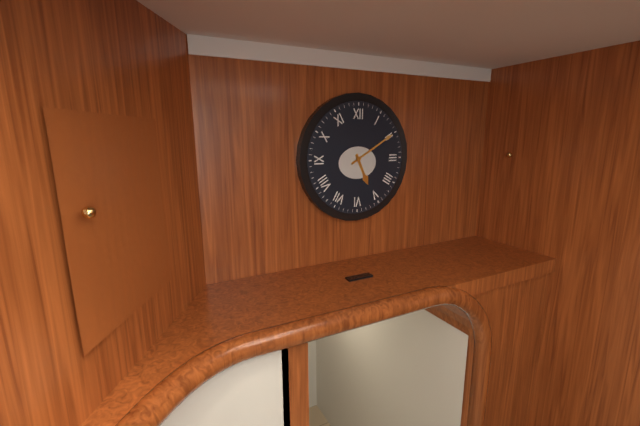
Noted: {"hour": 5, "minute": 10}
